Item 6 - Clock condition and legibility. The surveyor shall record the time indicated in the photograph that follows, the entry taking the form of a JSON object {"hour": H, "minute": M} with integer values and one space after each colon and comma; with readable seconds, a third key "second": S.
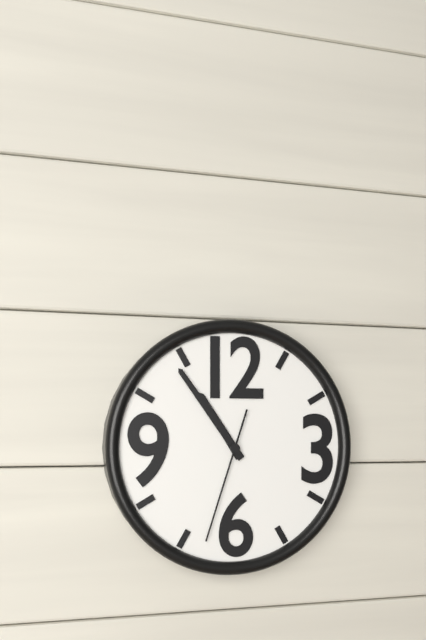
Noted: {"hour": 10, "minute": 54, "second": 33}
